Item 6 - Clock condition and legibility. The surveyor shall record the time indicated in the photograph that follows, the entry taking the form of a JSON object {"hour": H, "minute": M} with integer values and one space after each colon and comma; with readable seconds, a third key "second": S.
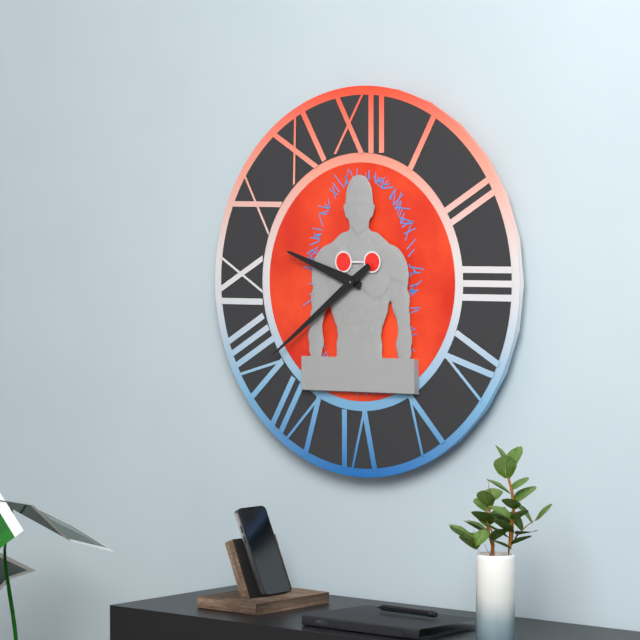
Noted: {"hour": 9, "minute": 39}
